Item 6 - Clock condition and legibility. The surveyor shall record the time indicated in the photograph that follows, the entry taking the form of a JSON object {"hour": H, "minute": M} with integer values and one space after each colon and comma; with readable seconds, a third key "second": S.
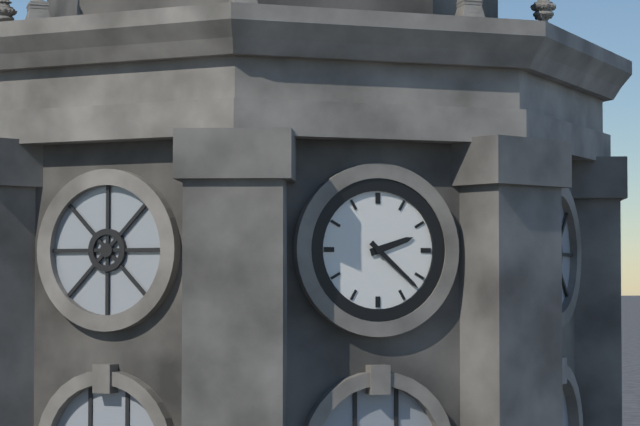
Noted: {"hour": 2, "minute": 22}
